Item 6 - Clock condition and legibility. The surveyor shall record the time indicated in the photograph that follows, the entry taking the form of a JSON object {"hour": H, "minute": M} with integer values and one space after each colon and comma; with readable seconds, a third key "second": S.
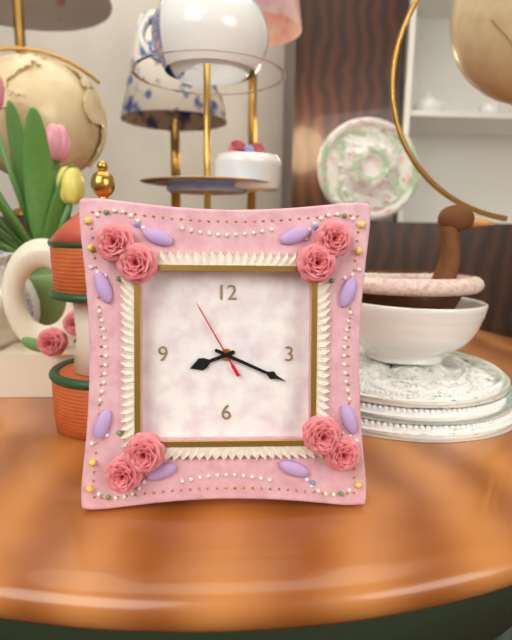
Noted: {"hour": 8, "minute": 19, "second": 55}
